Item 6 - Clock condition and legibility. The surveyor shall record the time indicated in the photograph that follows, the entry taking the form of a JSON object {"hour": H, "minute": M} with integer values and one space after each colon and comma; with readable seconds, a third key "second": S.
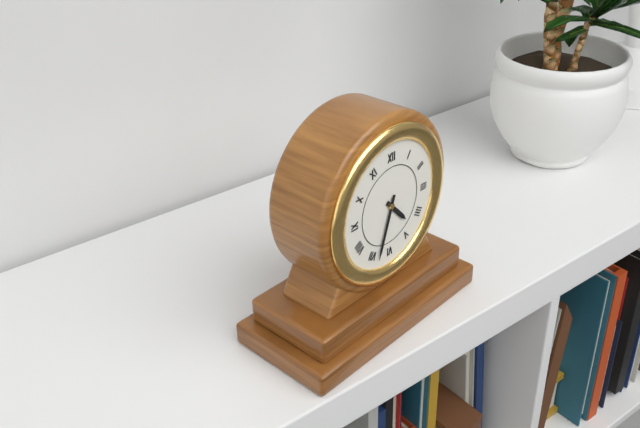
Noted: {"hour": 4, "minute": 33}
